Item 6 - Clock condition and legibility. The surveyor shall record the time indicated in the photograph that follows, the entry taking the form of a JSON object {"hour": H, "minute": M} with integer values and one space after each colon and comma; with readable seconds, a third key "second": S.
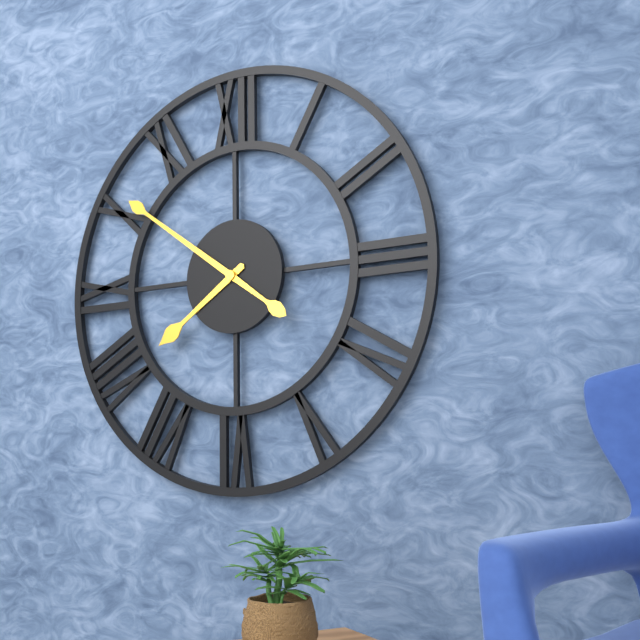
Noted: {"hour": 7, "minute": 51}
